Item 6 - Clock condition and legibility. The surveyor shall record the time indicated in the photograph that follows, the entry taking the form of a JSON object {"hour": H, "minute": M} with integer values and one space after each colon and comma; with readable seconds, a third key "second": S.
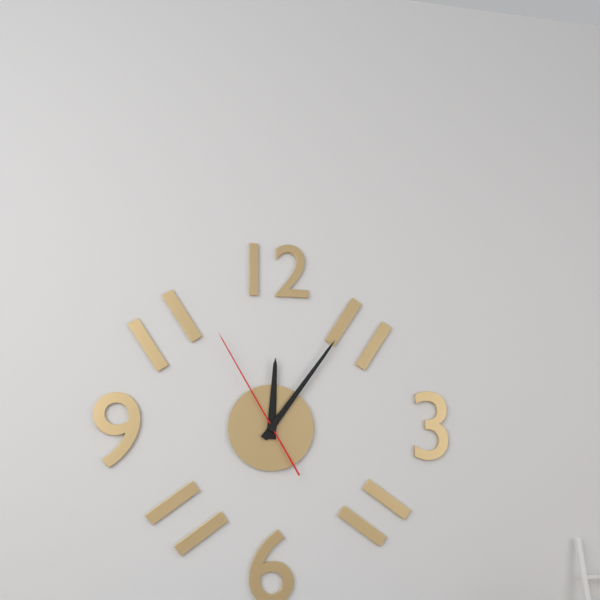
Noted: {"hour": 12, "minute": 6, "second": 55}
